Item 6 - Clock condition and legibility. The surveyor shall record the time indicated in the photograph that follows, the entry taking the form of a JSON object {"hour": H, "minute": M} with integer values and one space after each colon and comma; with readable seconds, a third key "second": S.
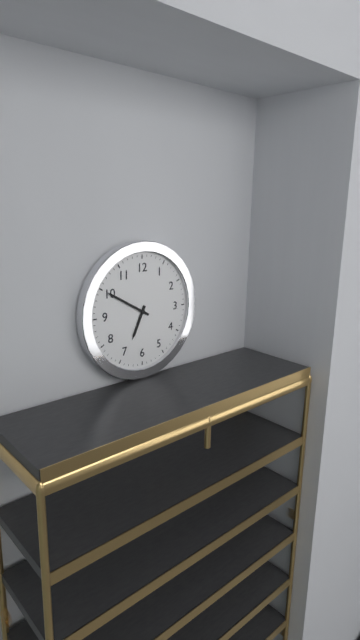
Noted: {"hour": 6, "minute": 50}
